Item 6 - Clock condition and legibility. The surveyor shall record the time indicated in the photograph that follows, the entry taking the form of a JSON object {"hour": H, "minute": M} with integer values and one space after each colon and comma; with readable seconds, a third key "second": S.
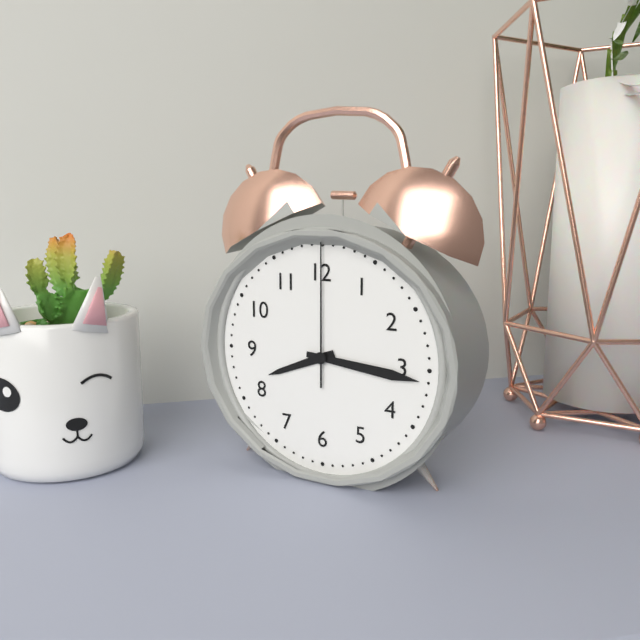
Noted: {"hour": 8, "minute": 16, "second": 0}
